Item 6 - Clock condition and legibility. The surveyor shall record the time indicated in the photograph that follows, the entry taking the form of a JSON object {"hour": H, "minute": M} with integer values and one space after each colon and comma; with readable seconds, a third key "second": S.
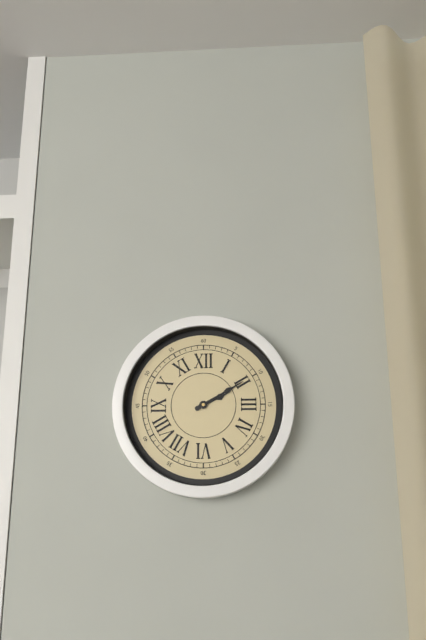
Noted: {"hour": 2, "minute": 10}
